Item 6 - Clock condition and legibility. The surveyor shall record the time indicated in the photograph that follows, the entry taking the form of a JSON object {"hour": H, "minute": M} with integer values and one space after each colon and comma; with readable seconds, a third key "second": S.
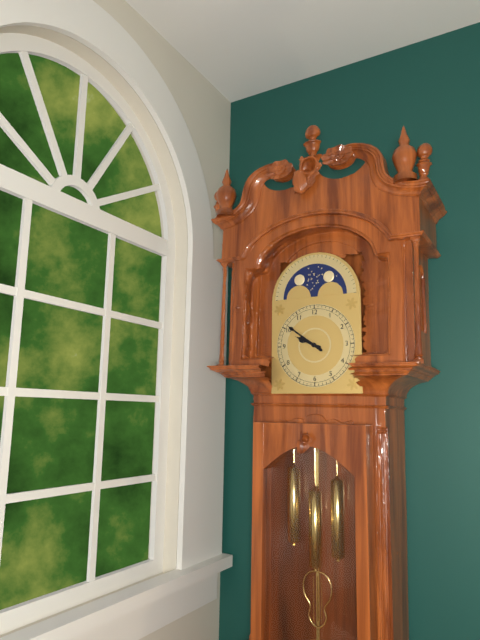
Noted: {"hour": 9, "minute": 51}
